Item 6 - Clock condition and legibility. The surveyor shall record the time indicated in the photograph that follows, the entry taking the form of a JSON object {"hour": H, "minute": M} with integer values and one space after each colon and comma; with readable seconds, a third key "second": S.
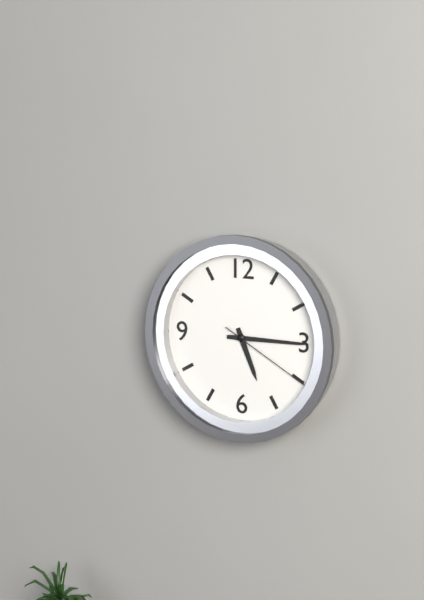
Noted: {"hour": 5, "minute": 15, "second": 20}
